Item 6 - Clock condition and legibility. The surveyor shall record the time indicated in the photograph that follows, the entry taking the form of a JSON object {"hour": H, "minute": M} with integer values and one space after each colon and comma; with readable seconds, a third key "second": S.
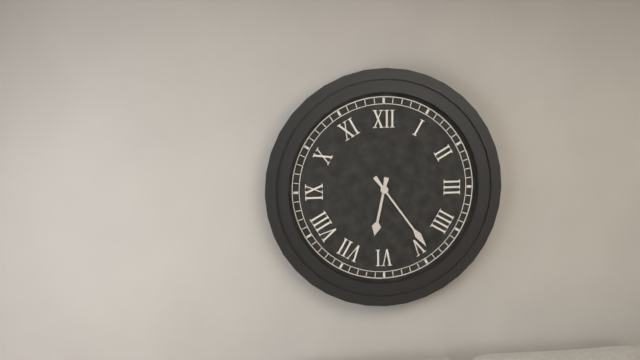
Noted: {"hour": 6, "minute": 24}
